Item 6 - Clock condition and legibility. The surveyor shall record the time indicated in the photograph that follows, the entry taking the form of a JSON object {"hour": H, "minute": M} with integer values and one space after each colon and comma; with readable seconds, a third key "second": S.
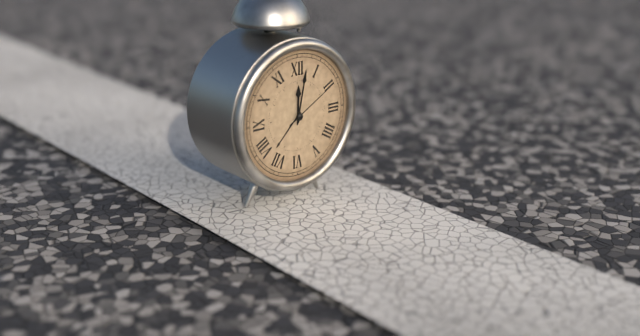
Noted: {"hour": 12, "minute": 2}
